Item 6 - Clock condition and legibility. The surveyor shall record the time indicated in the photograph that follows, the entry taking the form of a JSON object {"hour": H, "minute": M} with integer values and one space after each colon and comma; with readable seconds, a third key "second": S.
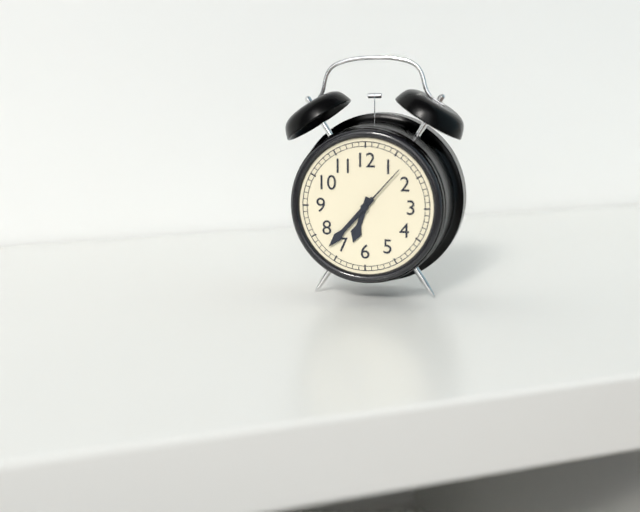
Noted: {"hour": 6, "minute": 37, "second": 7}
